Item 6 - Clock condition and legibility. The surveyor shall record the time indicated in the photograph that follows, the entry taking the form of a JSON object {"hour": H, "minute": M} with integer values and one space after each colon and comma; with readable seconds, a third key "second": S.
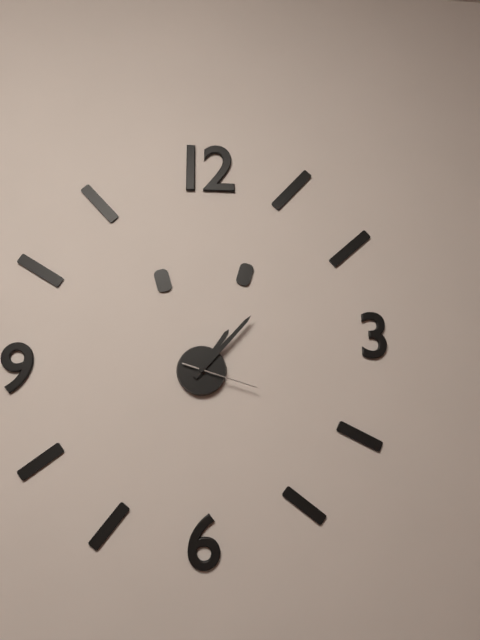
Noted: {"hour": 1, "minute": 7, "second": 18}
